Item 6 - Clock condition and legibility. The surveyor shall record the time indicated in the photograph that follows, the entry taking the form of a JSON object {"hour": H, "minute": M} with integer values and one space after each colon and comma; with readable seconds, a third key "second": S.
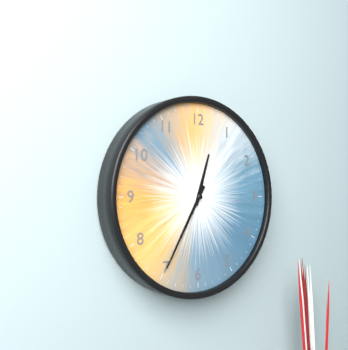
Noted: {"hour": 12, "minute": 35}
